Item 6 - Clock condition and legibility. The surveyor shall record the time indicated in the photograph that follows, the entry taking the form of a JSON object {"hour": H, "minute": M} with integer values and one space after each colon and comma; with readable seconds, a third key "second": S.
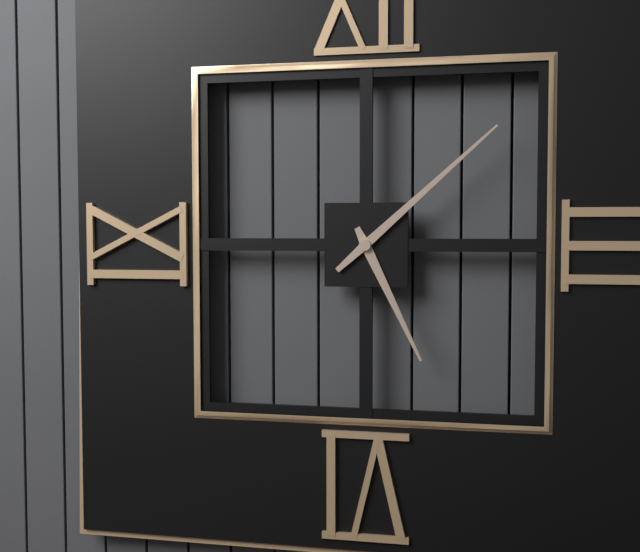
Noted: {"hour": 5, "minute": 8}
